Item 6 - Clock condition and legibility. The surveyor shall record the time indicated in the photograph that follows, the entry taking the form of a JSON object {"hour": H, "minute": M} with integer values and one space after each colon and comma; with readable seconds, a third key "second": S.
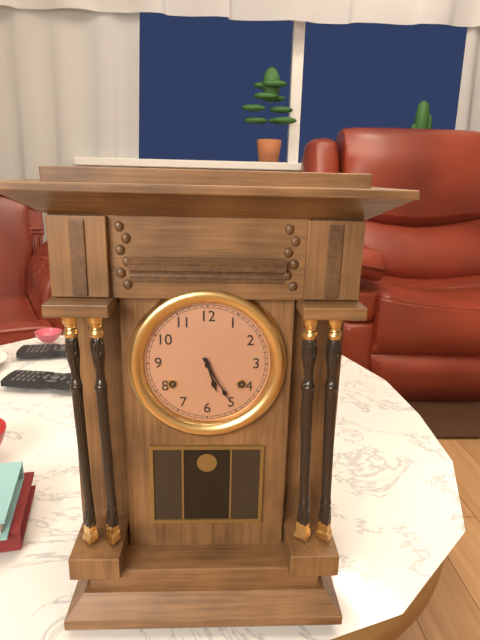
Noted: {"hour": 5, "minute": 25}
